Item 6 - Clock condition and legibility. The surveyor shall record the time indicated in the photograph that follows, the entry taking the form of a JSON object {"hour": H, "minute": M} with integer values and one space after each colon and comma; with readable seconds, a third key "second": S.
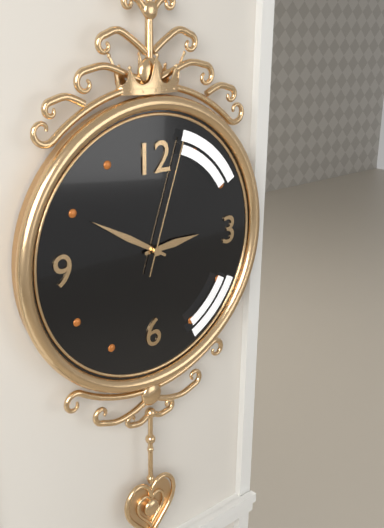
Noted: {"hour": 2, "minute": 50, "second": 3}
